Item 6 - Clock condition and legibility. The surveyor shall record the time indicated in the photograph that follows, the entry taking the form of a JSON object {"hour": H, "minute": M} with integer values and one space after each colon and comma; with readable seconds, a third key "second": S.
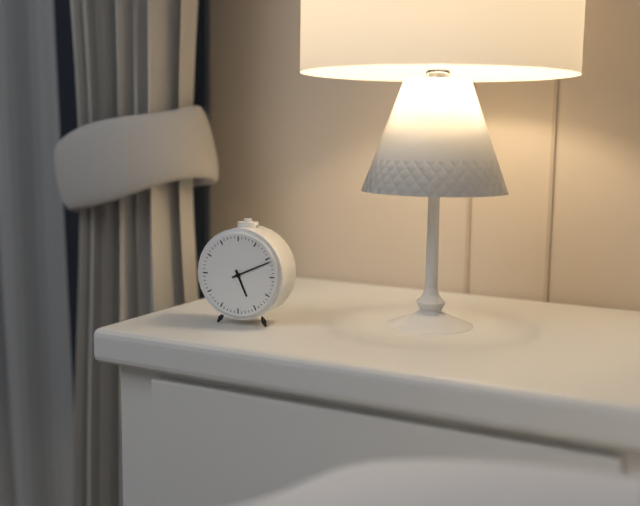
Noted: {"hour": 5, "minute": 11}
